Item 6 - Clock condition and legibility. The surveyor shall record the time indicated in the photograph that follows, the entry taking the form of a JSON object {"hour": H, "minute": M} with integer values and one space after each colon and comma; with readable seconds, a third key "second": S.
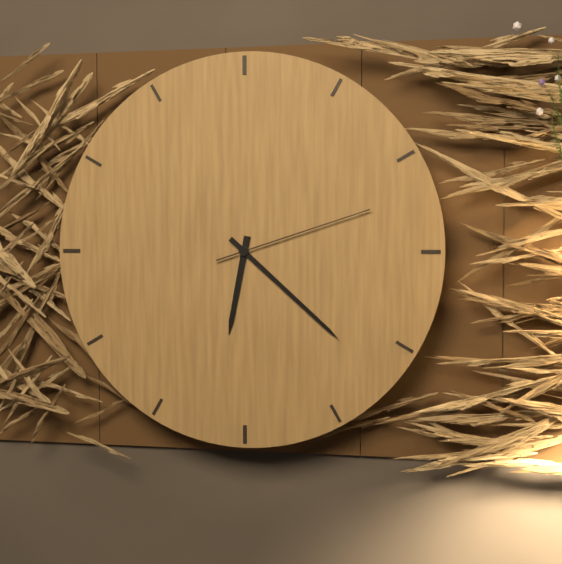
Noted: {"hour": 6, "minute": 22, "second": 12}
